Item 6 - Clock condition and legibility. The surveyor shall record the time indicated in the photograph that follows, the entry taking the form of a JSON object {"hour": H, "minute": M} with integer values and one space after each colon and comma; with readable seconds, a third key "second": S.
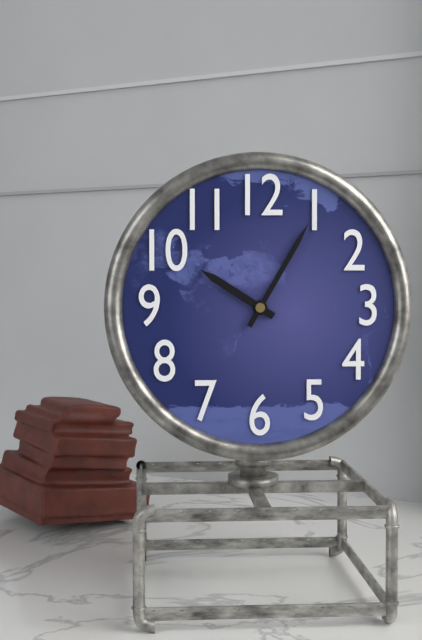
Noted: {"hour": 10, "minute": 5}
